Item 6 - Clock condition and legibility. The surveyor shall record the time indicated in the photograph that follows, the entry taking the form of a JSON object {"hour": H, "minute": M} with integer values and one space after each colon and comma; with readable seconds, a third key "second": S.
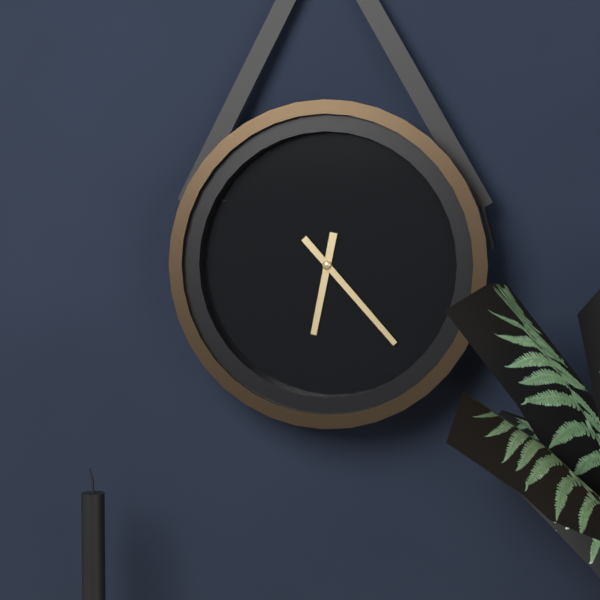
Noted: {"hour": 6, "minute": 23}
